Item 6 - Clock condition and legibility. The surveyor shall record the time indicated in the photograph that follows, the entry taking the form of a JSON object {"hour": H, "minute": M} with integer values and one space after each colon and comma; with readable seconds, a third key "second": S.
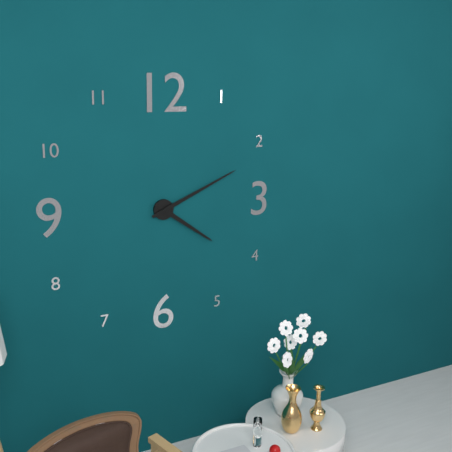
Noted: {"hour": 4, "minute": 11}
